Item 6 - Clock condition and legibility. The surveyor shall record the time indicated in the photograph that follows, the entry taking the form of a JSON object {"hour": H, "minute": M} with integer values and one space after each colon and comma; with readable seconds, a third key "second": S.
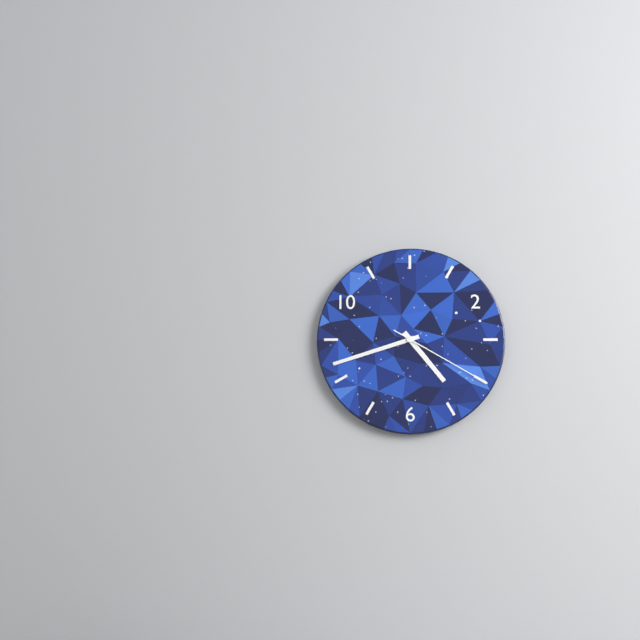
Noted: {"hour": 4, "minute": 42, "second": 20}
